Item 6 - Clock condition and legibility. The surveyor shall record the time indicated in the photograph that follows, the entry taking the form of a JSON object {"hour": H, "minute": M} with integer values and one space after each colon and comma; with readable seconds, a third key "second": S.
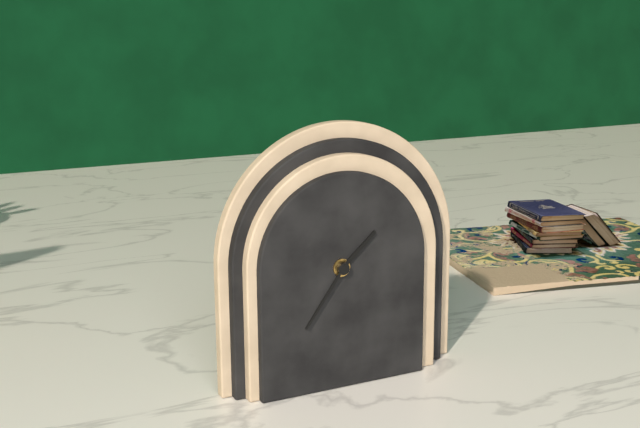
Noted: {"hour": 1, "minute": 36}
